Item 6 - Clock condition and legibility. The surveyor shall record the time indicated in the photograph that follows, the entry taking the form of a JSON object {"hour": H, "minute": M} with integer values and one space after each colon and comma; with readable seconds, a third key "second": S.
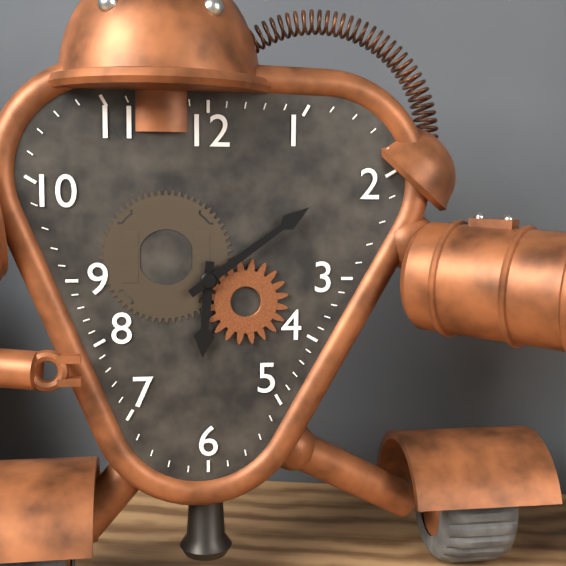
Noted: {"hour": 6, "minute": 9}
